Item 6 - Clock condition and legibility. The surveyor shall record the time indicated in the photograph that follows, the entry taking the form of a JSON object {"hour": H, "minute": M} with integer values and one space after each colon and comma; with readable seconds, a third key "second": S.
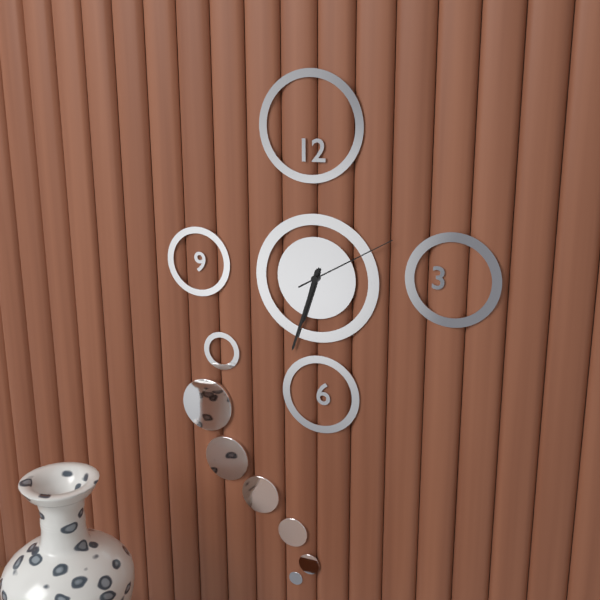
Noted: {"hour": 6, "minute": 33, "second": 10}
